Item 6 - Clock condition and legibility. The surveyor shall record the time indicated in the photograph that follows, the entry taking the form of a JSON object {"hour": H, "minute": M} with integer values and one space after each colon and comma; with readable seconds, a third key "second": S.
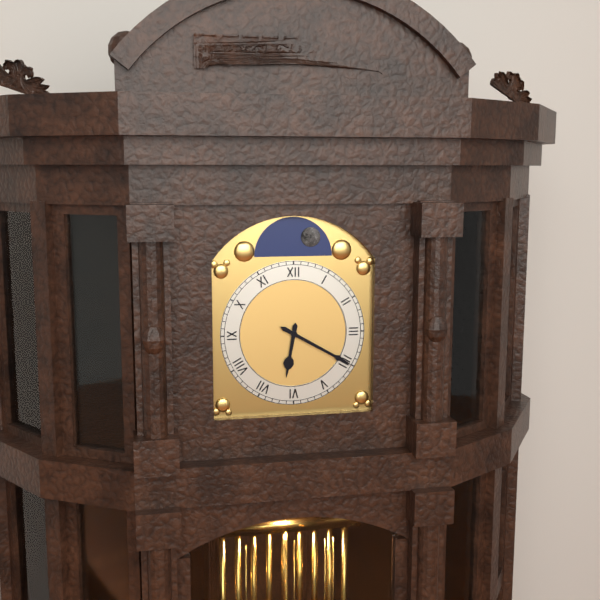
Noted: {"hour": 6, "minute": 20}
